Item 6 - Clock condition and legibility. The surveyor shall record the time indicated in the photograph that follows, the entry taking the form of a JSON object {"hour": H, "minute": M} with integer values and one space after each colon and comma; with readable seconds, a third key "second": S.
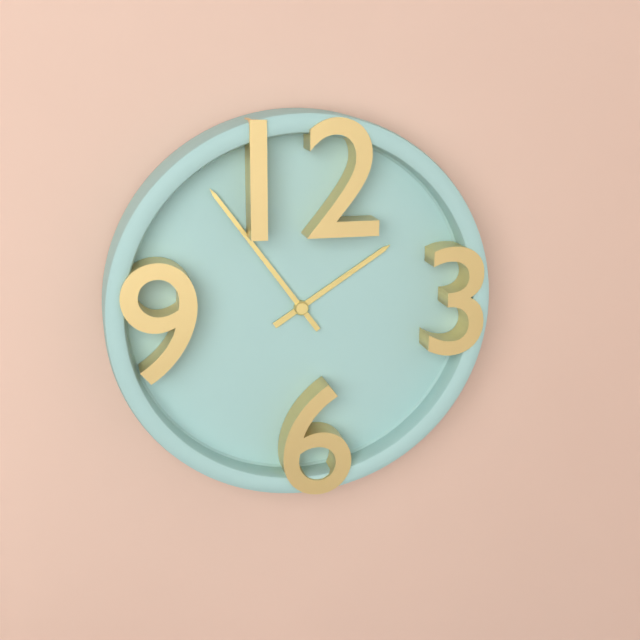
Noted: {"hour": 1, "minute": 54}
